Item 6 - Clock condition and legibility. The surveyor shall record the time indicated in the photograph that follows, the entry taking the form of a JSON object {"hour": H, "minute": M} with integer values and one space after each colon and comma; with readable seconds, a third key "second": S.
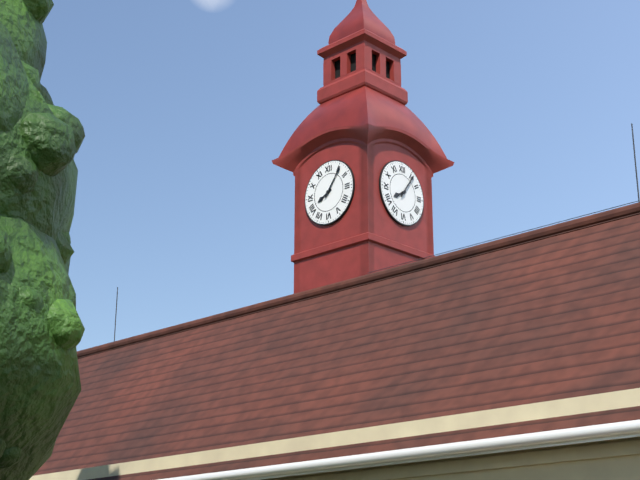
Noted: {"hour": 8, "minute": 6}
